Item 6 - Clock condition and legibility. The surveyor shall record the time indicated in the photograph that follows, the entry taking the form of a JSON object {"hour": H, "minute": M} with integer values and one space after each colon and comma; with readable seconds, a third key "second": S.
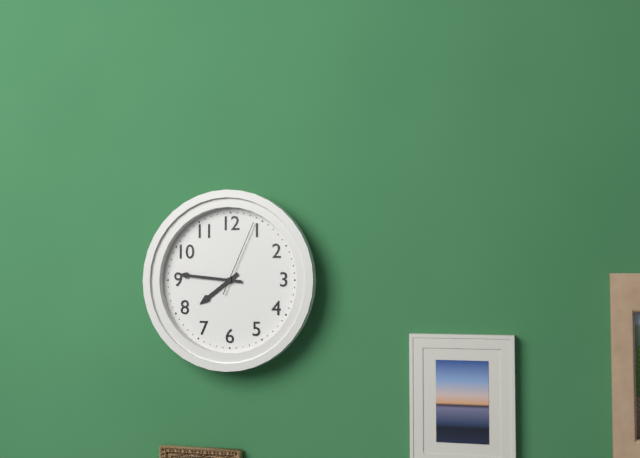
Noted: {"hour": 7, "minute": 46, "second": 4}
